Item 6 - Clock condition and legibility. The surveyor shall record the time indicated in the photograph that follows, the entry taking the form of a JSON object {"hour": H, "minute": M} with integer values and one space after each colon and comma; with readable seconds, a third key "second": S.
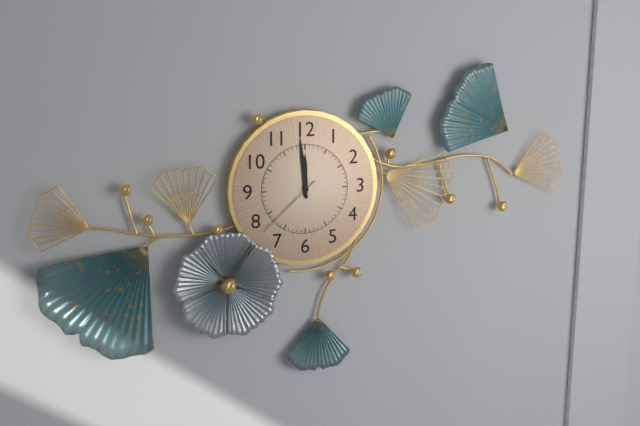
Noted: {"hour": 11, "minute": 59, "second": 38}
